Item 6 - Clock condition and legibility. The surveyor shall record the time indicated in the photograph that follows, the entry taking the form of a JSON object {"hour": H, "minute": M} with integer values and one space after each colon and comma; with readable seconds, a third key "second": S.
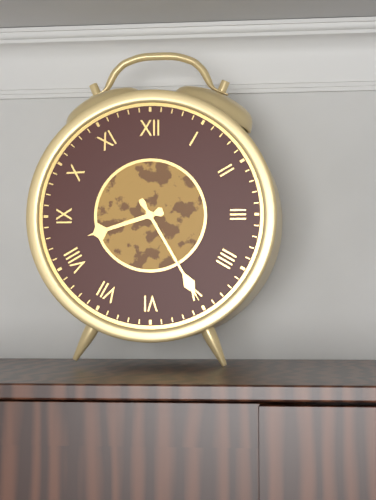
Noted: {"hour": 8, "minute": 25}
